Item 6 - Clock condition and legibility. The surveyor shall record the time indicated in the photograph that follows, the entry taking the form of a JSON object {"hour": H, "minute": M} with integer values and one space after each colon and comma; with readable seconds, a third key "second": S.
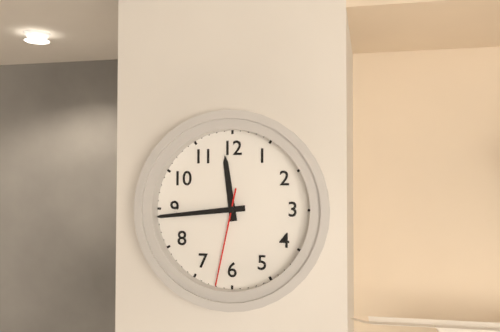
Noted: {"hour": 11, "minute": 44, "second": 32}
